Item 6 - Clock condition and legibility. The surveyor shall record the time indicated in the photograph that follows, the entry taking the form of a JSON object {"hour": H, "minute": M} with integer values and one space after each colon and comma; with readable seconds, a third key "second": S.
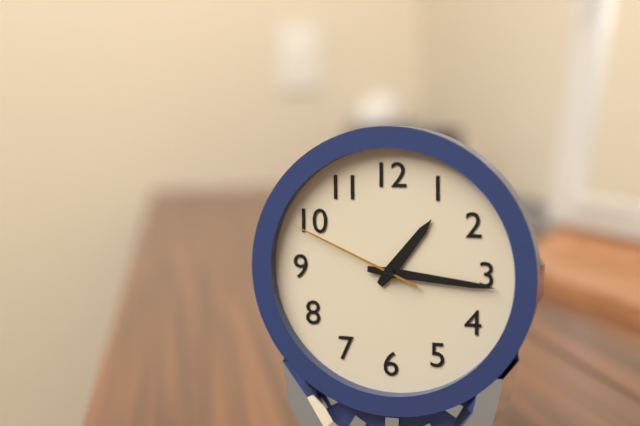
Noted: {"hour": 1, "minute": 16, "second": 49}
